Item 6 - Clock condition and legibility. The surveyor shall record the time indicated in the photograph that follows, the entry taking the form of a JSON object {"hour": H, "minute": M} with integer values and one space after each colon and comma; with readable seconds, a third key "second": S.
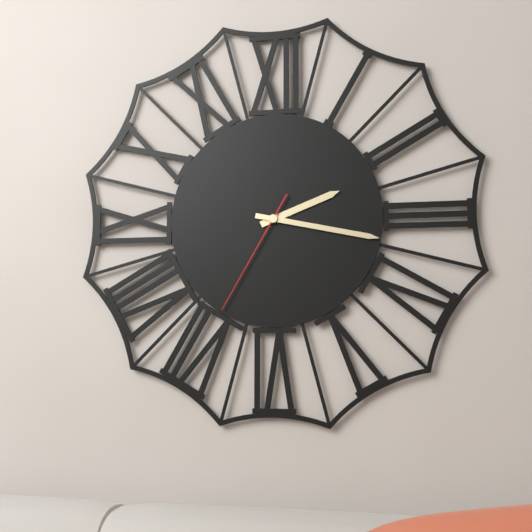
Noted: {"hour": 2, "minute": 17, "second": 35}
